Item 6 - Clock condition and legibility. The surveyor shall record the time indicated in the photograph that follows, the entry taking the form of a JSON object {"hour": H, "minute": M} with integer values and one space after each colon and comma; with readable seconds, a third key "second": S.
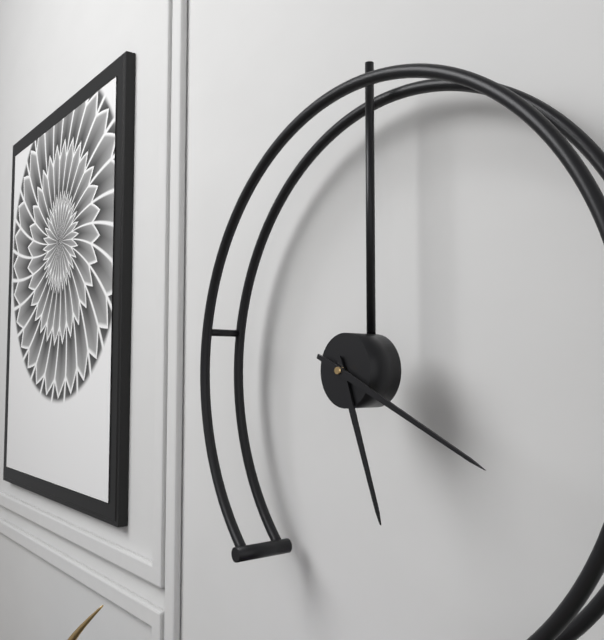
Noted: {"hour": 5, "minute": 19}
